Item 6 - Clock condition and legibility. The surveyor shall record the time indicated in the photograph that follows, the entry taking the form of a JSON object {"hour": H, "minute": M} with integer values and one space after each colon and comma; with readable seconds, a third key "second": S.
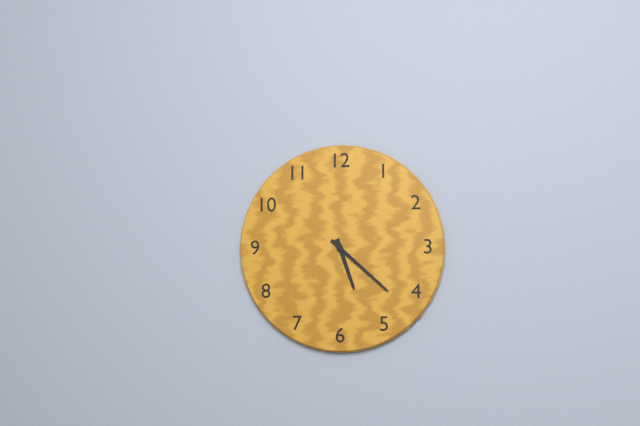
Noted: {"hour": 5, "minute": 22}
